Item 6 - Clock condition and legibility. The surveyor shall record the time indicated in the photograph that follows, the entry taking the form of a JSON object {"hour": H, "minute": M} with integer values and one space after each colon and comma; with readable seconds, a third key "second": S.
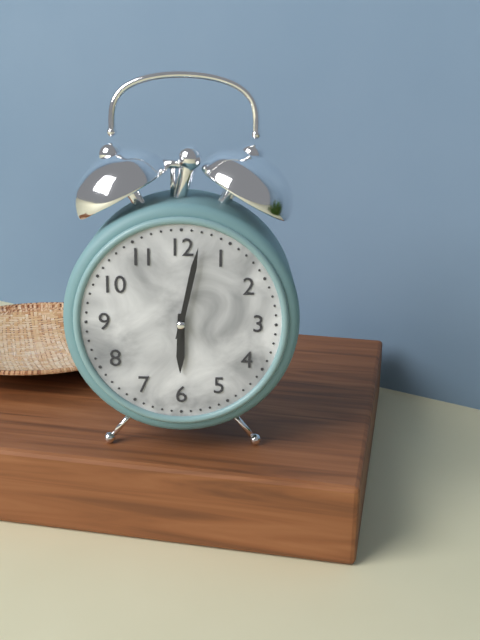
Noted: {"hour": 6, "minute": 2}
